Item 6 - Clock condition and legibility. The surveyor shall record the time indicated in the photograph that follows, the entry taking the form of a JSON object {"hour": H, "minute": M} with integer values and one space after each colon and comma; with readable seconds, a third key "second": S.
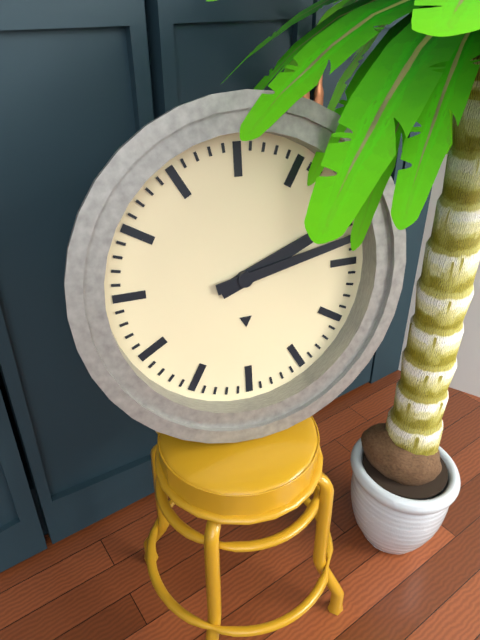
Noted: {"hour": 2, "minute": 13}
